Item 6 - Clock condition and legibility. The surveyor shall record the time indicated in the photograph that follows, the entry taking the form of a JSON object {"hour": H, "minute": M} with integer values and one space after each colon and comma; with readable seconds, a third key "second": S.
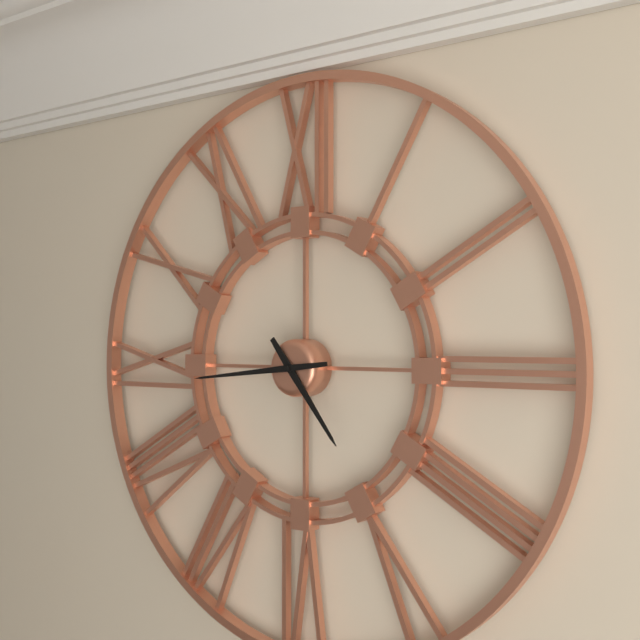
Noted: {"hour": 4, "minute": 44}
